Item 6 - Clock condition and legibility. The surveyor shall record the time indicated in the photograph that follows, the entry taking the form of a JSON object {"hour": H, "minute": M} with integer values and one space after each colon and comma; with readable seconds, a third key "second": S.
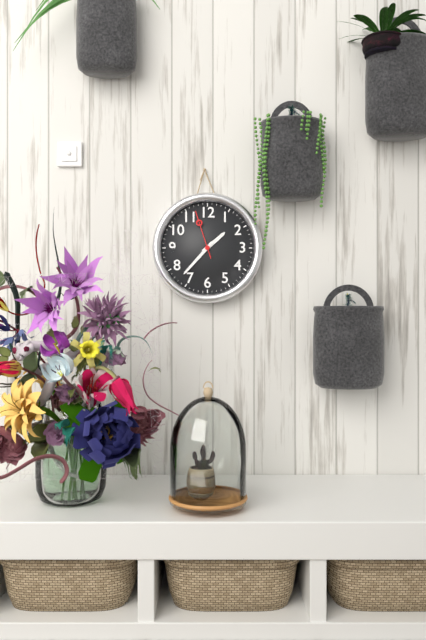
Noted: {"hour": 1, "minute": 37, "second": 57}
